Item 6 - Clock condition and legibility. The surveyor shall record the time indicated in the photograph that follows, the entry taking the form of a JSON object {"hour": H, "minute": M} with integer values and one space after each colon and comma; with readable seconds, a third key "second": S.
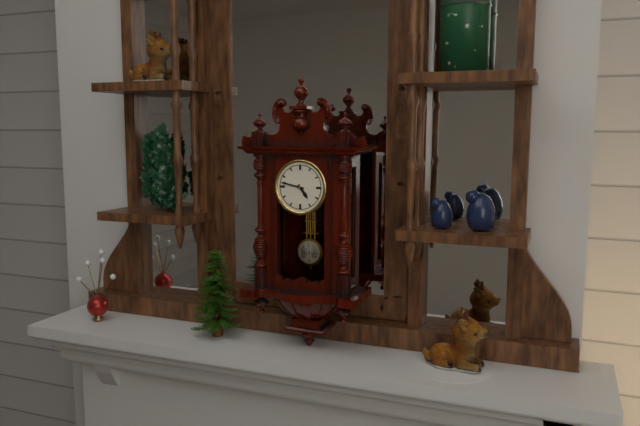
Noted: {"hour": 4, "minute": 47}
